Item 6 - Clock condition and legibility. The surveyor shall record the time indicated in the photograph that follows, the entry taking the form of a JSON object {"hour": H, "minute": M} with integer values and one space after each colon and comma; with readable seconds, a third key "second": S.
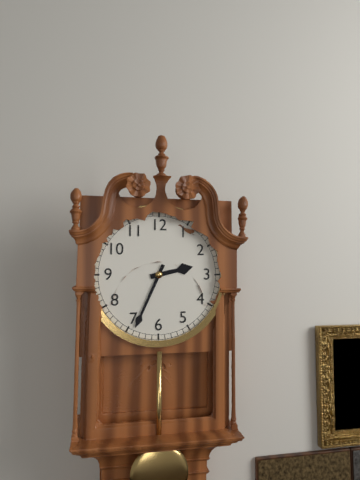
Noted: {"hour": 2, "minute": 34}
